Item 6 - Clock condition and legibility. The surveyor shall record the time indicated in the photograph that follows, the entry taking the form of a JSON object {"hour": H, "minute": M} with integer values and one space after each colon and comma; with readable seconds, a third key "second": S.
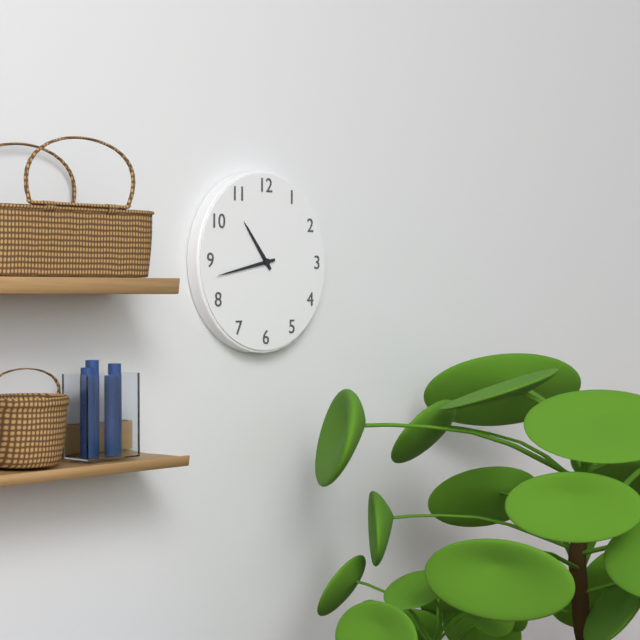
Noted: {"hour": 10, "minute": 43}
